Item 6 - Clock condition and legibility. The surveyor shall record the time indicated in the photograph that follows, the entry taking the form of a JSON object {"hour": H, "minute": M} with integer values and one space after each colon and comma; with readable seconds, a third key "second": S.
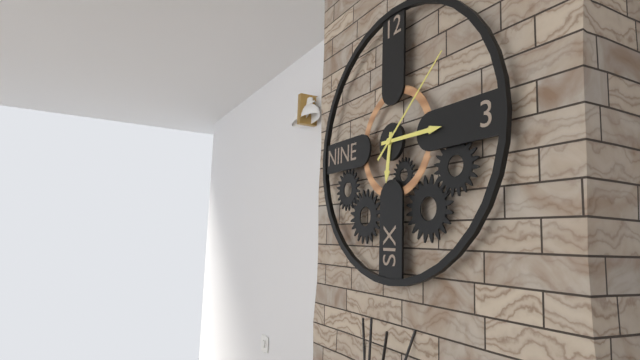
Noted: {"hour": 6, "minute": 15, "second": 8}
